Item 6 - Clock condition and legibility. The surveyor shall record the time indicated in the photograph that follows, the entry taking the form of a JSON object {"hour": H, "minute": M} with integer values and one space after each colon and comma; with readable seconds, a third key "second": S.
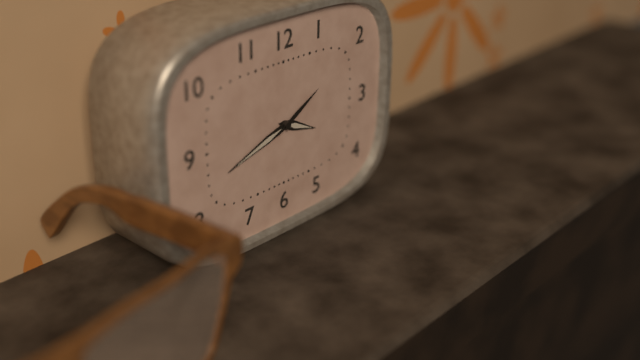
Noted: {"hour": 3, "minute": 42, "second": 10}
